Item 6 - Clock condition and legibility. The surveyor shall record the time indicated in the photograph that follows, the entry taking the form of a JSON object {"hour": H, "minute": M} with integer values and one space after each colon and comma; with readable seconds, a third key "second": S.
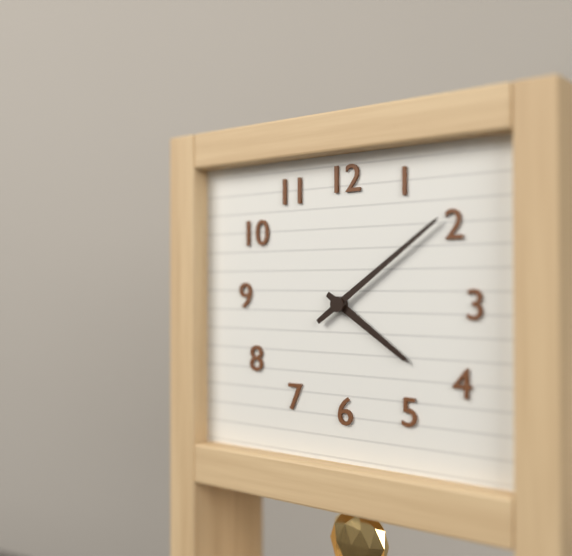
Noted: {"hour": 4, "minute": 9}
